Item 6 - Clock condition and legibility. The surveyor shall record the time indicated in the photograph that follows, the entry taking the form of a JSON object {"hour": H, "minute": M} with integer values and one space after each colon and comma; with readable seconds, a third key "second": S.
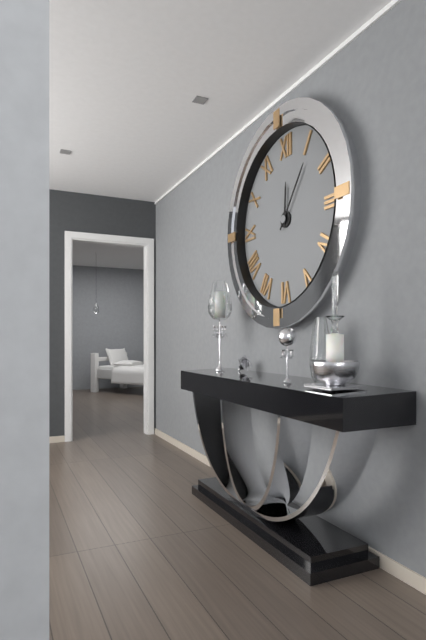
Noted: {"hour": 12, "minute": 6}
